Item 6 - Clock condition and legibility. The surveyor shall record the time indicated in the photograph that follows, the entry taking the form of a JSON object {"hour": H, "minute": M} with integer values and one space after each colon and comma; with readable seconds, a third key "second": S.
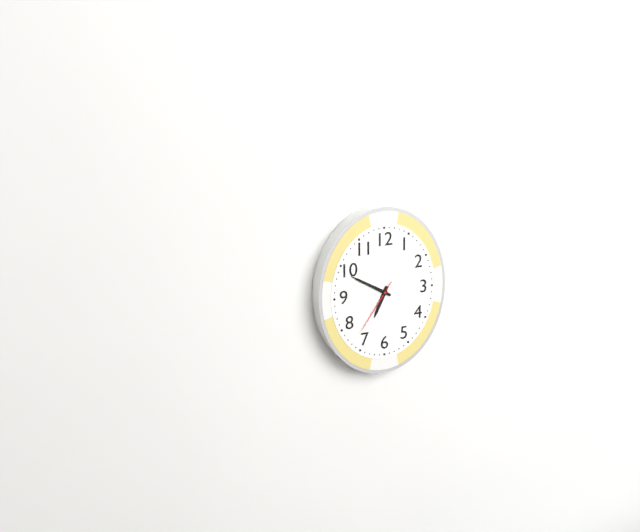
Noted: {"hour": 6, "minute": 50, "second": 36}
